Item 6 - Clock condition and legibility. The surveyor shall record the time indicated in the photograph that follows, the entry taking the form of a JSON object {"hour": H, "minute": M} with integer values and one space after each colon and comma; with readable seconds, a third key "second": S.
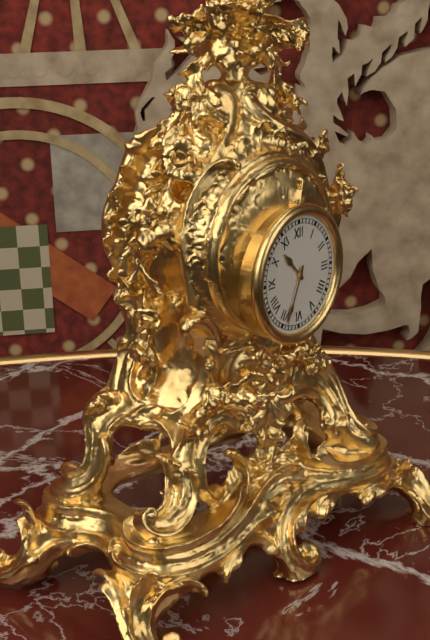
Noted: {"hour": 10, "minute": 34}
